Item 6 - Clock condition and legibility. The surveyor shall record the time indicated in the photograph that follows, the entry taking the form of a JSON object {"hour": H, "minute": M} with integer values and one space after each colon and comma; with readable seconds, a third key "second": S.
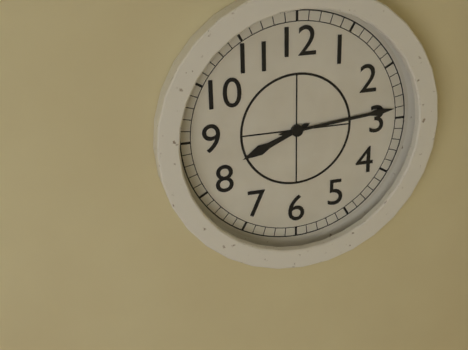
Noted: {"hour": 8, "minute": 14}
